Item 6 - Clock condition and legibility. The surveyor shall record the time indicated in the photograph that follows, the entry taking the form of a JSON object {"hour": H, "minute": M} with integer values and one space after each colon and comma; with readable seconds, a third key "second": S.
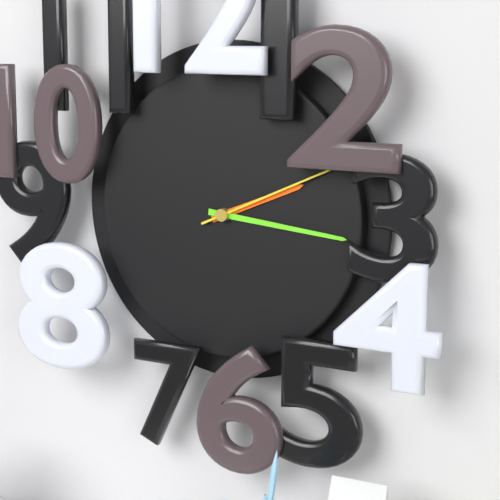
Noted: {"hour": 2, "minute": 16, "second": 11}
